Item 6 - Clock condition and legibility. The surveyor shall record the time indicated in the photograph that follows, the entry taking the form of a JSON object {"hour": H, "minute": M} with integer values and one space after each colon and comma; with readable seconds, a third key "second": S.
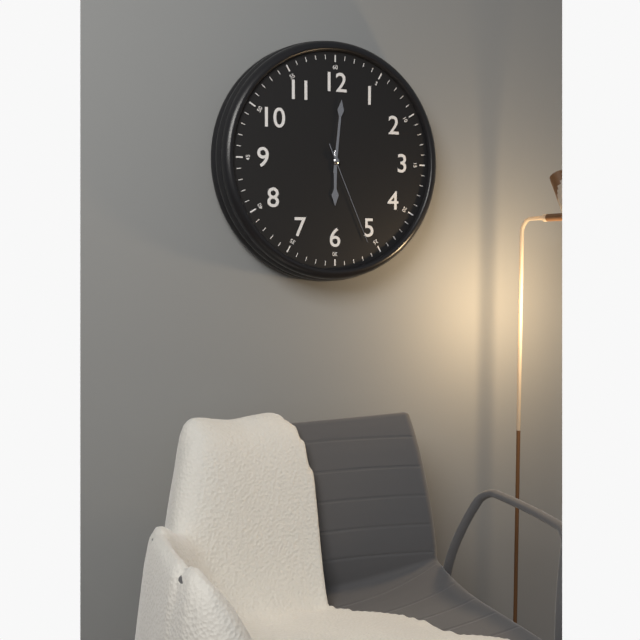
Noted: {"hour": 6, "minute": 1, "second": 26}
